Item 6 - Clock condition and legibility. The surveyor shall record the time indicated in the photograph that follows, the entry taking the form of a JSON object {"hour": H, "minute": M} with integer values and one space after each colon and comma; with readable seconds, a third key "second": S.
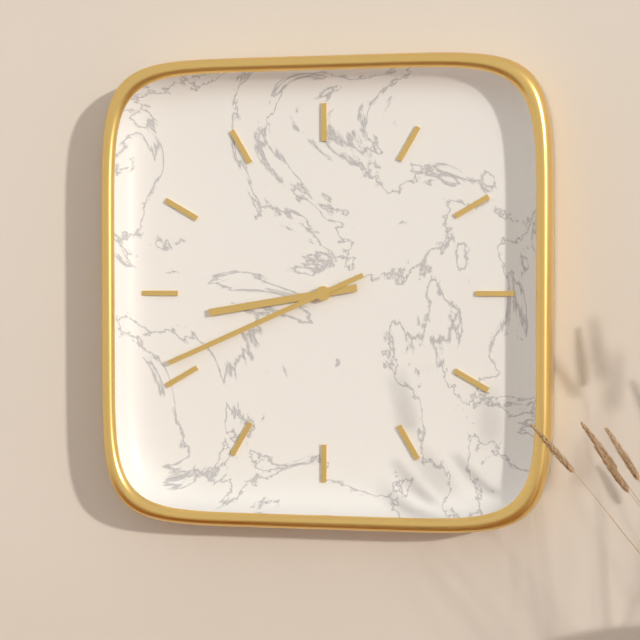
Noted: {"hour": 8, "minute": 41}
